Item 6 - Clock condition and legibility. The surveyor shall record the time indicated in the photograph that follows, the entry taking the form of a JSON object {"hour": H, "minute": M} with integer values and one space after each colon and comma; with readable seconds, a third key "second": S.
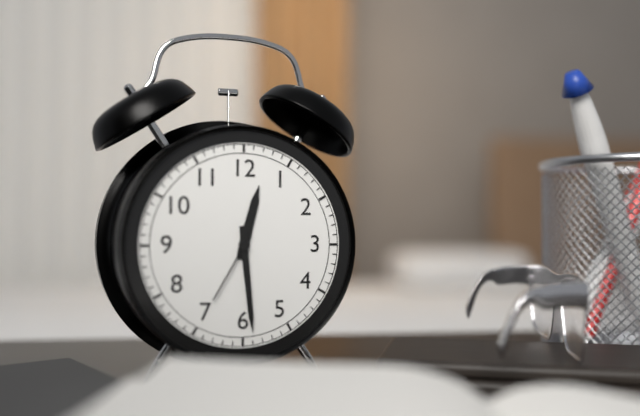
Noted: {"hour": 12, "minute": 29, "second": 35}
